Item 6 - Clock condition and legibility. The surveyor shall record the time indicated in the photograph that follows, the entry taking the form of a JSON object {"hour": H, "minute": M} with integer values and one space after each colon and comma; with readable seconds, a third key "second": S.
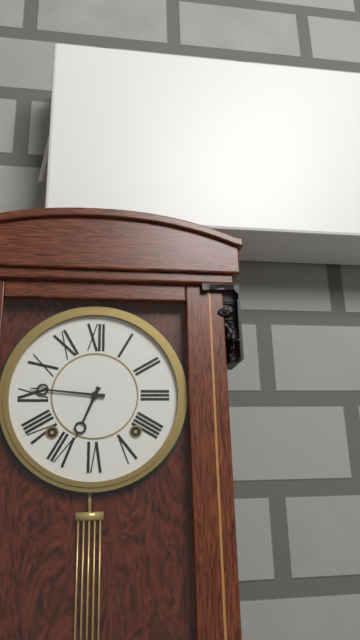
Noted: {"hour": 6, "minute": 46}
